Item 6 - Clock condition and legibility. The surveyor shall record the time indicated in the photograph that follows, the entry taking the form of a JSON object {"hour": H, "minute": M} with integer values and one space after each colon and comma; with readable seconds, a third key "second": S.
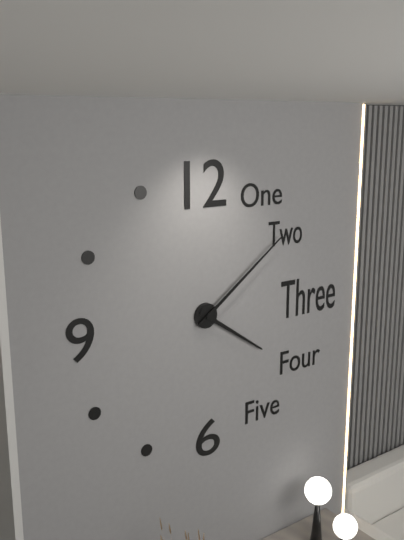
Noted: {"hour": 4, "minute": 9}
